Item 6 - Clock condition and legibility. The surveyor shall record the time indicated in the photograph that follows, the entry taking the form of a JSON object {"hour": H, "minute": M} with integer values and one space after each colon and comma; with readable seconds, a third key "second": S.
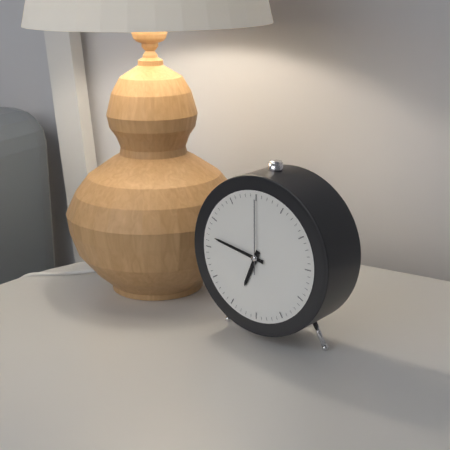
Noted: {"hour": 6, "minute": 47, "second": 0}
